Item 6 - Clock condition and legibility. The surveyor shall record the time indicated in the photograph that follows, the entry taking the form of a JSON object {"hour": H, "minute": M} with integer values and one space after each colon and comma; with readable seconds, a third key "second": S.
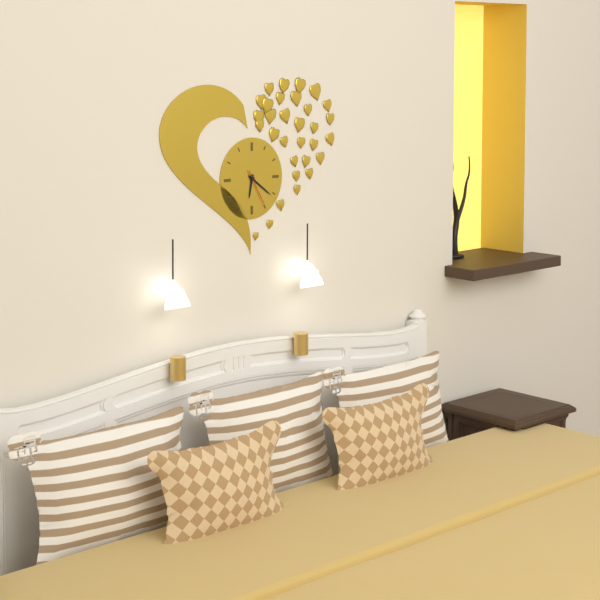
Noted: {"hour": 6, "minute": 21}
